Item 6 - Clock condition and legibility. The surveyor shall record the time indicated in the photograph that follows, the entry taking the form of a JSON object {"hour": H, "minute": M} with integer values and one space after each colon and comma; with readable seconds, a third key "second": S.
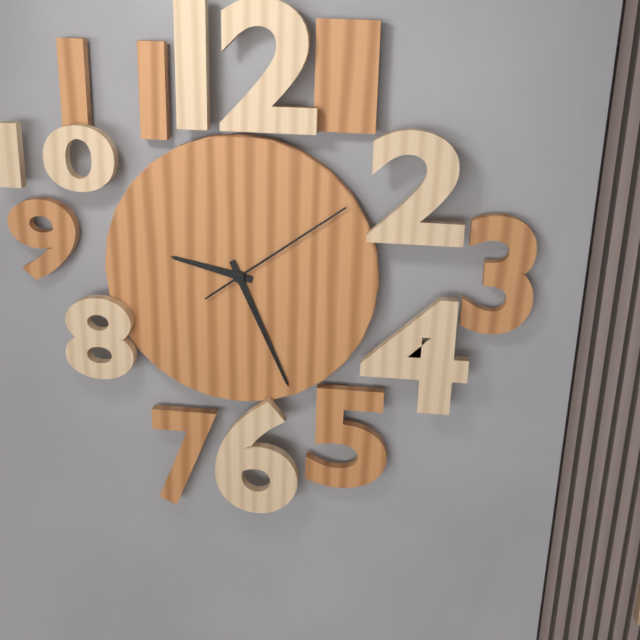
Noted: {"hour": 9, "minute": 26, "second": 9}
